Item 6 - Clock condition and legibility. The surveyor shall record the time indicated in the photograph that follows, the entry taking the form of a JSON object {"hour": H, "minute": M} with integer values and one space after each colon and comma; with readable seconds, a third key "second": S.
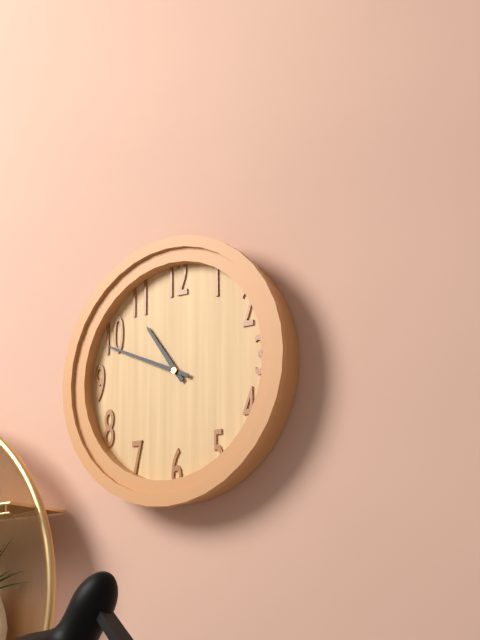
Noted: {"hour": 10, "minute": 49}
